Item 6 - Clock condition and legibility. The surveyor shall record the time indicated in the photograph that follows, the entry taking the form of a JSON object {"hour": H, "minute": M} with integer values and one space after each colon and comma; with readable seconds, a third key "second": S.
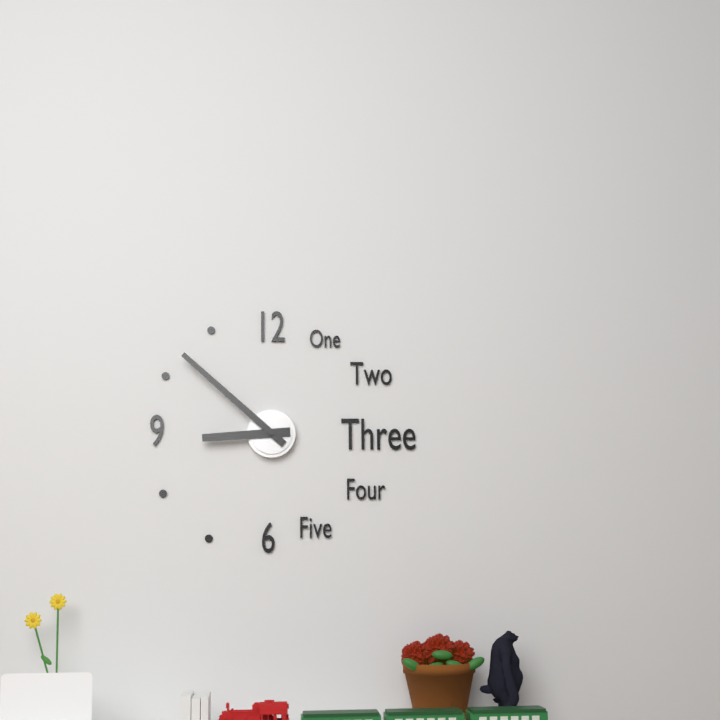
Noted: {"hour": 8, "minute": 52}
